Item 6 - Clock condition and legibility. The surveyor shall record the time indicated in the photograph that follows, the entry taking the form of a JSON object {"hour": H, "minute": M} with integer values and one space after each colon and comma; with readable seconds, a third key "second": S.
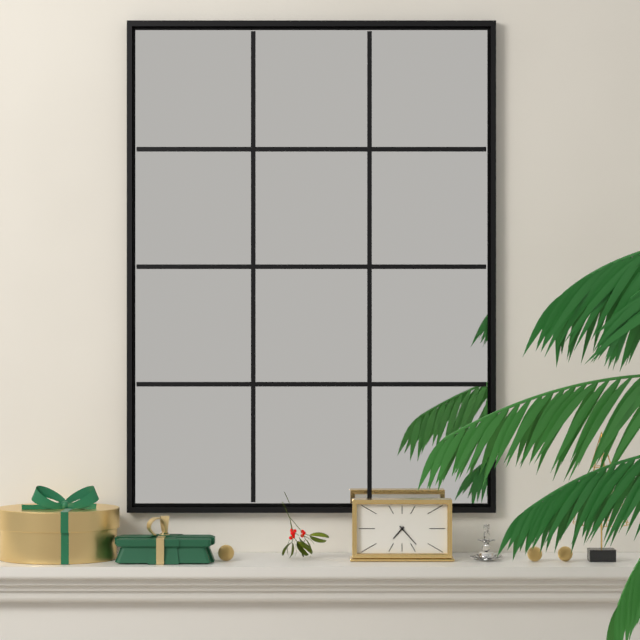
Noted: {"hour": 7, "minute": 23}
